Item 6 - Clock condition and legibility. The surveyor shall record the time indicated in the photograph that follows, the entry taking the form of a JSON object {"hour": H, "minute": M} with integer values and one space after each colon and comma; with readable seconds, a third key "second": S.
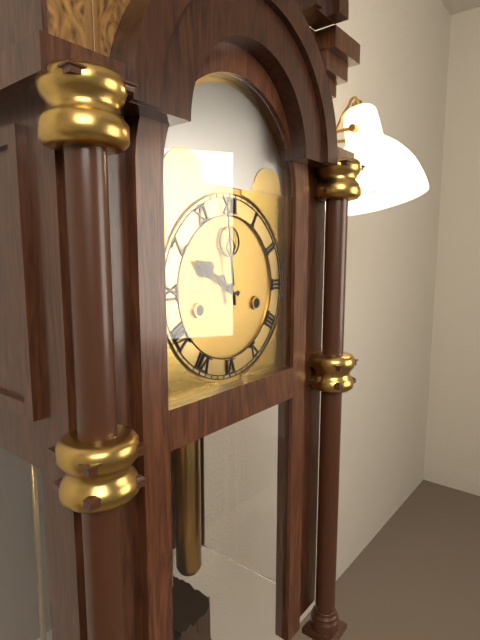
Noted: {"hour": 9, "minute": 59}
